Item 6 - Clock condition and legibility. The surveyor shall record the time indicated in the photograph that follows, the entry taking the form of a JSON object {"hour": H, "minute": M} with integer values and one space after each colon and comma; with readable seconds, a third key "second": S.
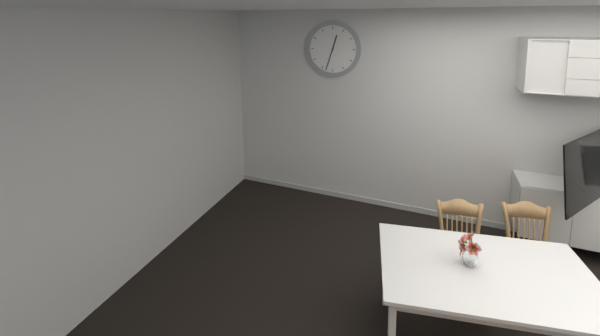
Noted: {"hour": 12, "minute": 33}
